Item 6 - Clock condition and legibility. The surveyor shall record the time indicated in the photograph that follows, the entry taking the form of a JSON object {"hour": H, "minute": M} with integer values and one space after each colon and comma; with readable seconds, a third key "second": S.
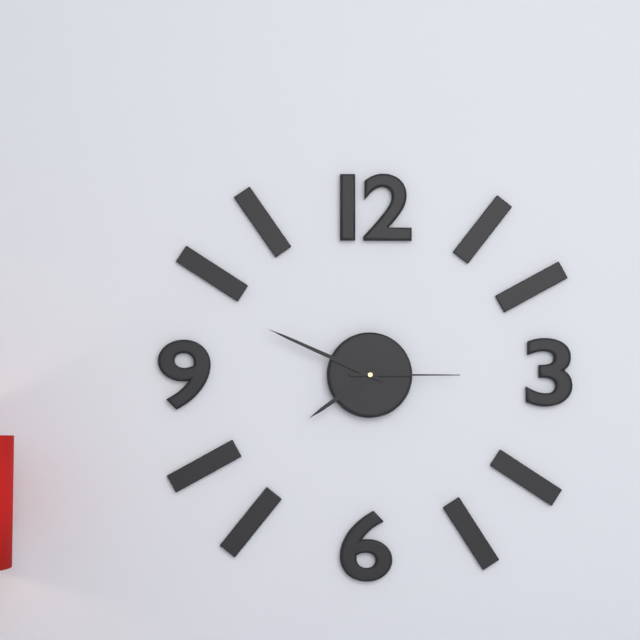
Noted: {"hour": 7, "minute": 49, "second": 15}
